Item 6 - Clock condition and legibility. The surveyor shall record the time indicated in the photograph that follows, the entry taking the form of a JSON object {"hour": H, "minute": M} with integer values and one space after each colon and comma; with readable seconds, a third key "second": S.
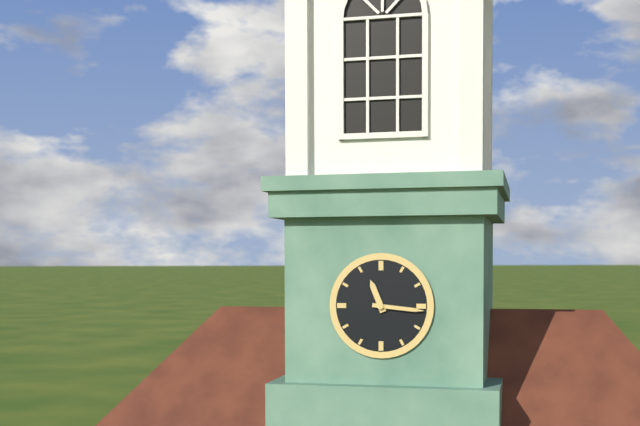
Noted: {"hour": 11, "minute": 16}
